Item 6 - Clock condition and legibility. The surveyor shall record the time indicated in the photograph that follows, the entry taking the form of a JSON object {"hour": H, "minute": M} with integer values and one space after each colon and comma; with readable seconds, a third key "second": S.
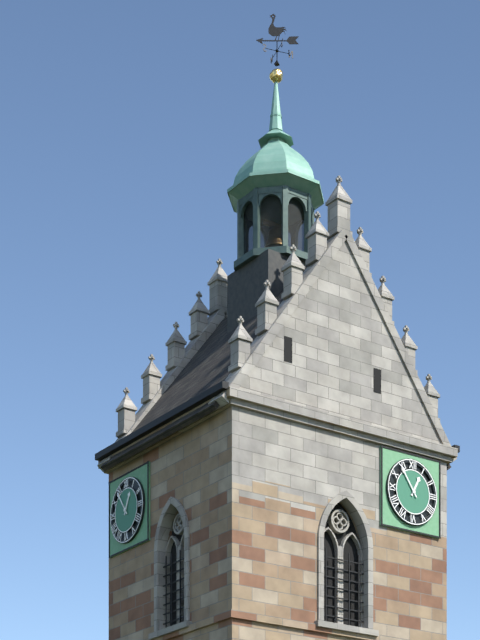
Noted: {"hour": 12, "minute": 54}
